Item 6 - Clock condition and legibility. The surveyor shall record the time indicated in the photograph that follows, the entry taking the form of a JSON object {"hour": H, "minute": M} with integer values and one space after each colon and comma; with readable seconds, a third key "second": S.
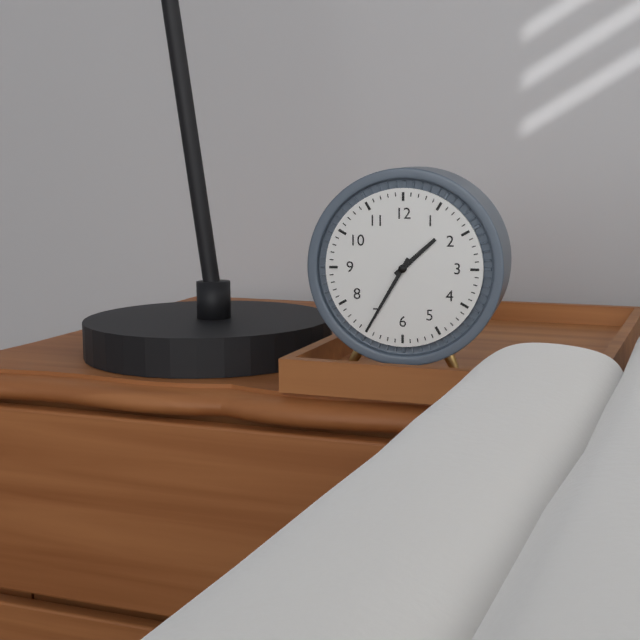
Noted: {"hour": 1, "minute": 35}
